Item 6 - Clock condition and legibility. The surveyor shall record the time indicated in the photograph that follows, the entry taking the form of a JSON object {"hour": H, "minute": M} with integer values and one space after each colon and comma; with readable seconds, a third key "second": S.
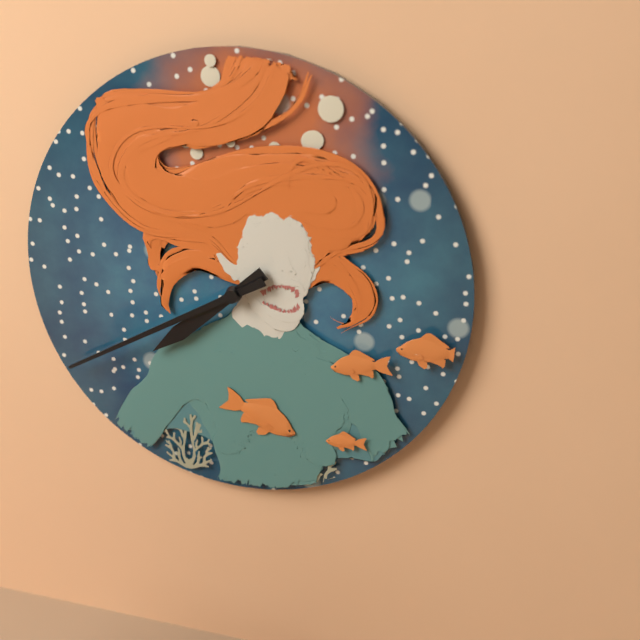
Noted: {"hour": 7, "minute": 40}
